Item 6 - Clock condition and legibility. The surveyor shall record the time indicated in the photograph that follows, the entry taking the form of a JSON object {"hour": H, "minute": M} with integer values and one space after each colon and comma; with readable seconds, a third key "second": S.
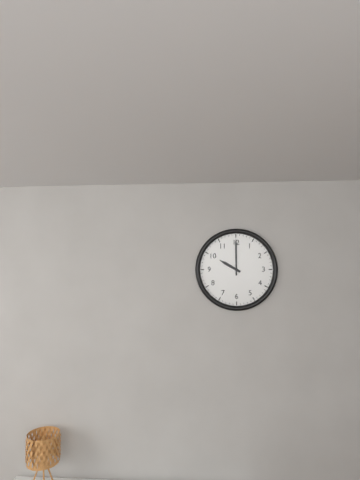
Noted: {"hour": 10, "minute": 0}
